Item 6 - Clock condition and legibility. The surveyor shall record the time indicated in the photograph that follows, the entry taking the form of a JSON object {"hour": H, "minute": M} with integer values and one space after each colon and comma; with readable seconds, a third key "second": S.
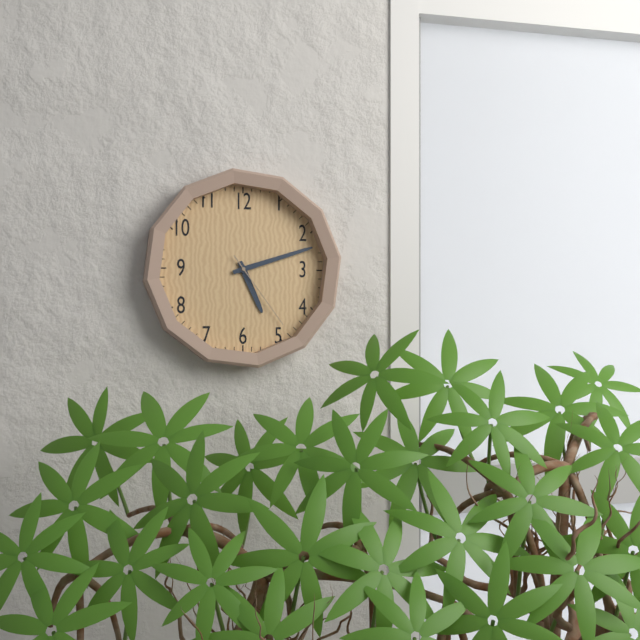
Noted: {"hour": 5, "minute": 12, "second": 24}
